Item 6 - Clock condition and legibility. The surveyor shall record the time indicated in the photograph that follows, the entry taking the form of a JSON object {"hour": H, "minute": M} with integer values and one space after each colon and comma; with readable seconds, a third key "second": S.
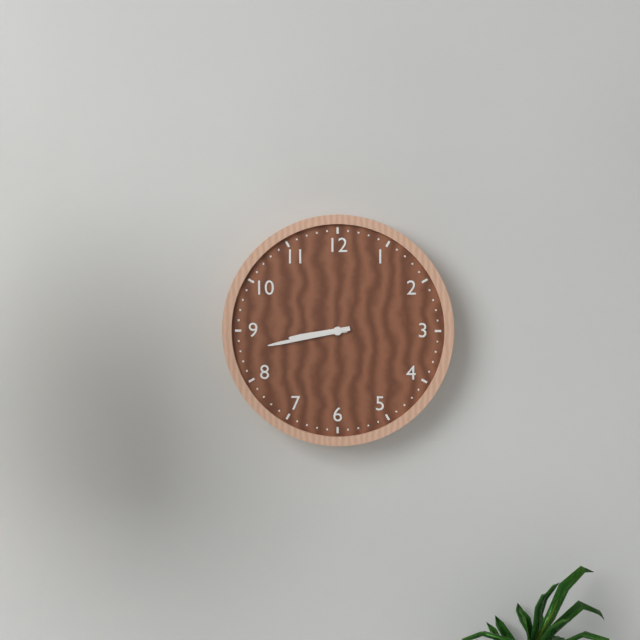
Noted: {"hour": 8, "minute": 43}
